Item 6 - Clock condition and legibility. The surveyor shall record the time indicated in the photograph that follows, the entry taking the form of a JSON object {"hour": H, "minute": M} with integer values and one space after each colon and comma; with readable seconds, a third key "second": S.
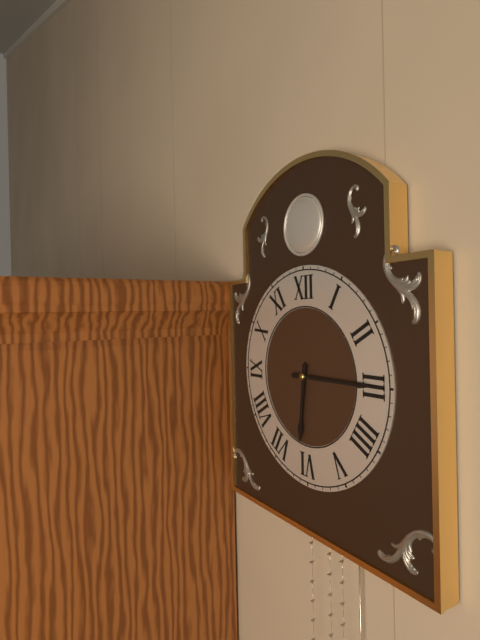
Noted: {"hour": 6, "minute": 15}
